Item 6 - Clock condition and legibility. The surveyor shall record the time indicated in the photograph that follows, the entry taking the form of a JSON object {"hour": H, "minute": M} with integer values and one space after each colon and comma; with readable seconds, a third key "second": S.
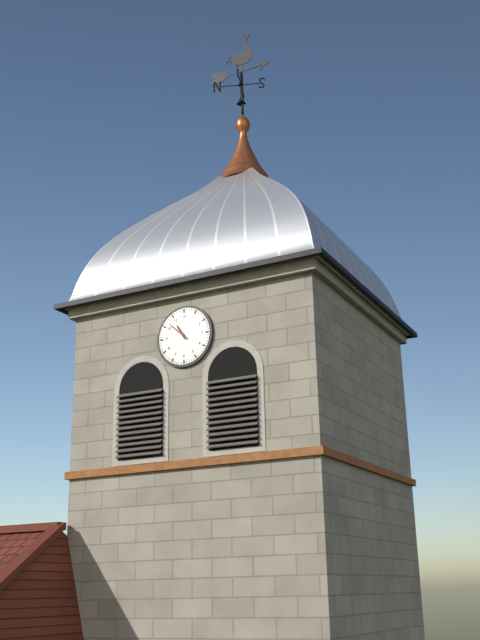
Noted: {"hour": 10, "minute": 52}
